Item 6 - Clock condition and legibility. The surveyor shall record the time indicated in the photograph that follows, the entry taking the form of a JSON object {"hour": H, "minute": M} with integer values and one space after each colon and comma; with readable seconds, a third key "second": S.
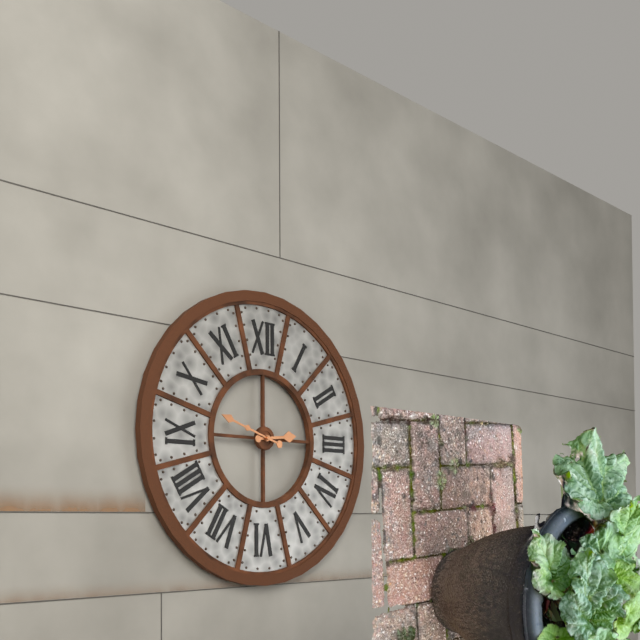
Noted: {"hour": 2, "minute": 48}
